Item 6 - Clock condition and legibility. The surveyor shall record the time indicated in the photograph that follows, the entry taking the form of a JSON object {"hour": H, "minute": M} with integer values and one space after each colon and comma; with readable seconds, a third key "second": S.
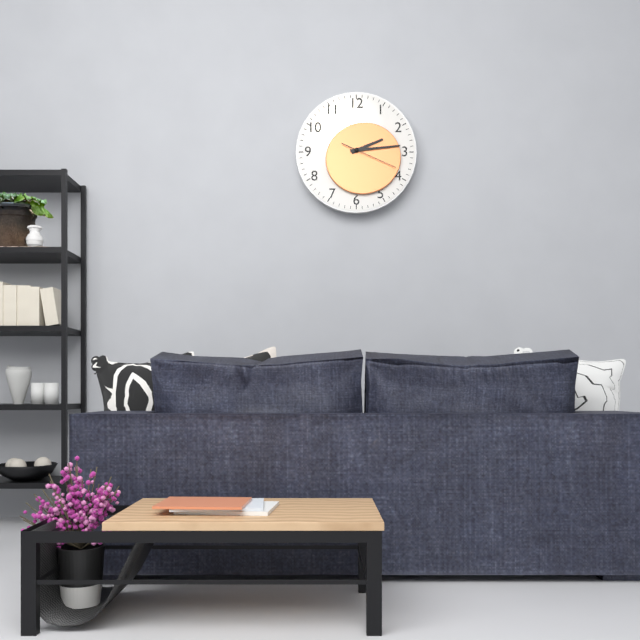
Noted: {"hour": 2, "minute": 14, "second": 19}
